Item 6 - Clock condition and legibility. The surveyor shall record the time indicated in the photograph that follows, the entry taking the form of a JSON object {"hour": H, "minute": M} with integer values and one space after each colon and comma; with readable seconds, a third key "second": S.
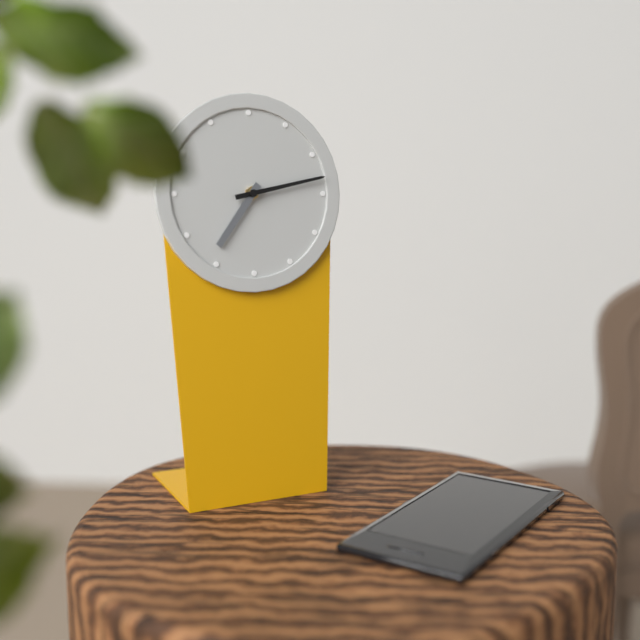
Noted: {"hour": 7, "minute": 13}
